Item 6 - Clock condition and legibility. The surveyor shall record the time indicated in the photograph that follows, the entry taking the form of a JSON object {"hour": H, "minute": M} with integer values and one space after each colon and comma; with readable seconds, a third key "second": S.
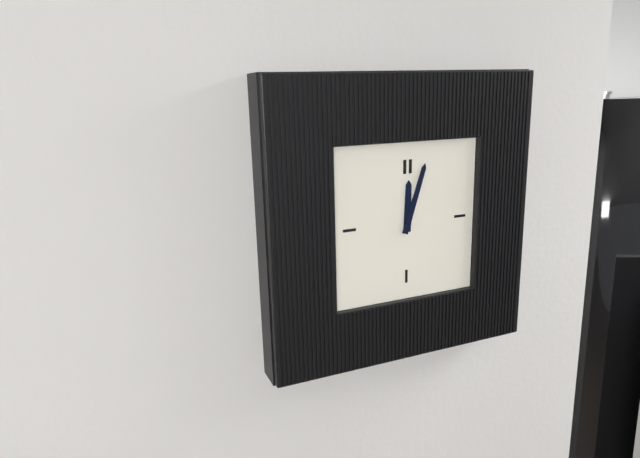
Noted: {"hour": 12, "minute": 3}
